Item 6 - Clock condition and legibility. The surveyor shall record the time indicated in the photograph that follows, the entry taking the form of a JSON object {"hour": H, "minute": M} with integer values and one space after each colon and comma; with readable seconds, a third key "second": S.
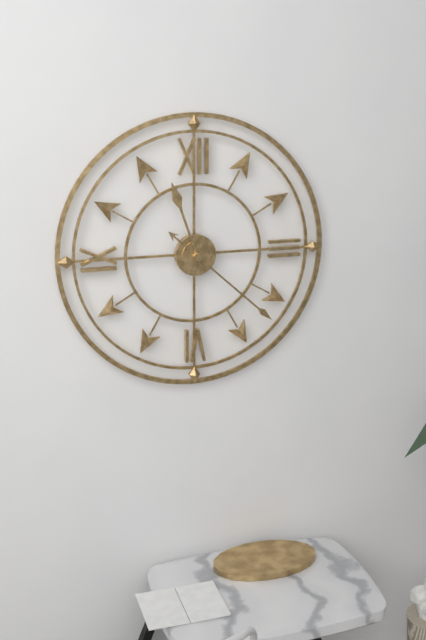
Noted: {"hour": 11, "minute": 22}
